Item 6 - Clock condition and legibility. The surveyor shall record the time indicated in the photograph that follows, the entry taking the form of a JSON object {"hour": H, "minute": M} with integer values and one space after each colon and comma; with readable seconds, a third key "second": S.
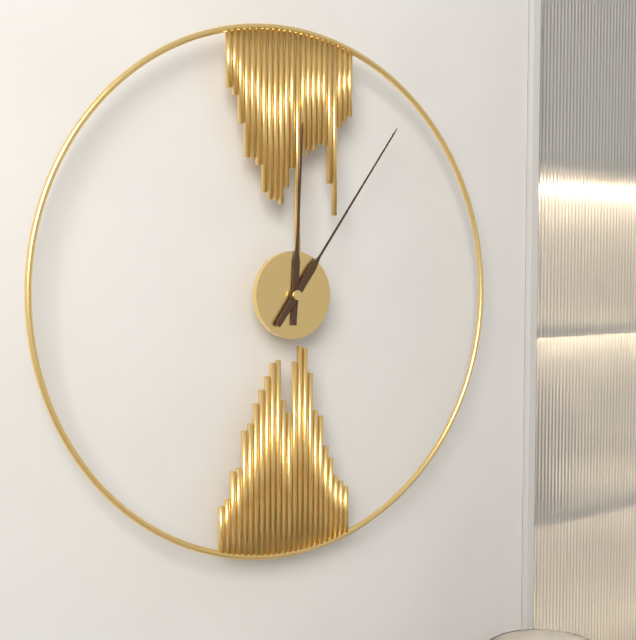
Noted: {"hour": 12, "minute": 6}
